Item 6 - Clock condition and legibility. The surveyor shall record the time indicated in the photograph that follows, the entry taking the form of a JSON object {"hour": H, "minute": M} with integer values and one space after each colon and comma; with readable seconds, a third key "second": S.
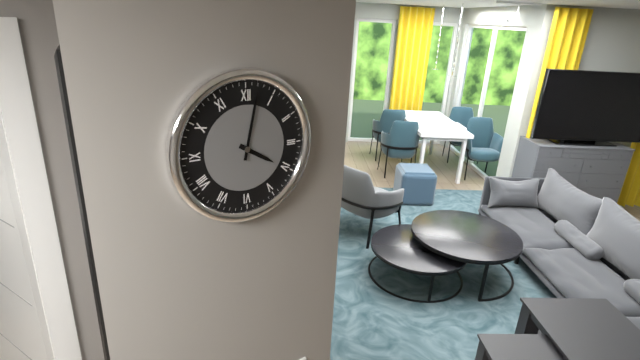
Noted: {"hour": 4, "minute": 2}
